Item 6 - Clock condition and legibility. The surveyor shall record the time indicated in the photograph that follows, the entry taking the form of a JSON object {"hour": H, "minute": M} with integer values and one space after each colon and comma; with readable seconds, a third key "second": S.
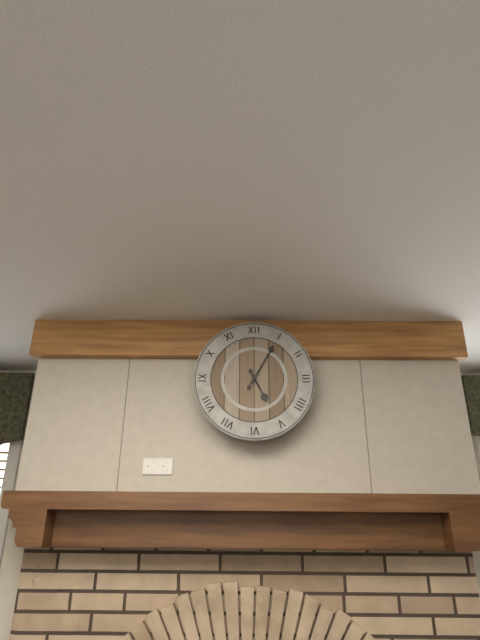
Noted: {"hour": 5, "minute": 5}
